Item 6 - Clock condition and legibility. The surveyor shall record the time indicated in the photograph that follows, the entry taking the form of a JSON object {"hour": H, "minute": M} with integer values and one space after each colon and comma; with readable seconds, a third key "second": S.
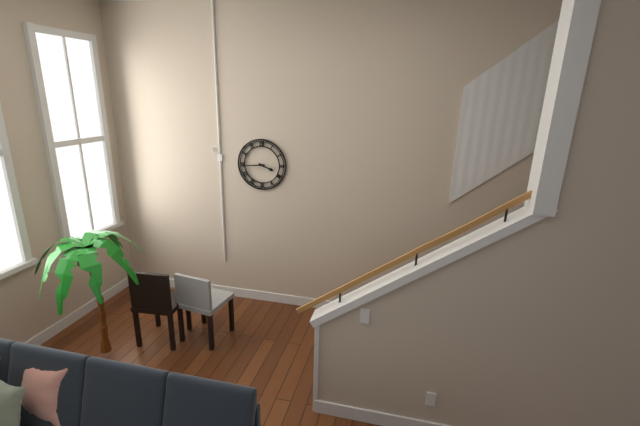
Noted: {"hour": 3, "minute": 44}
